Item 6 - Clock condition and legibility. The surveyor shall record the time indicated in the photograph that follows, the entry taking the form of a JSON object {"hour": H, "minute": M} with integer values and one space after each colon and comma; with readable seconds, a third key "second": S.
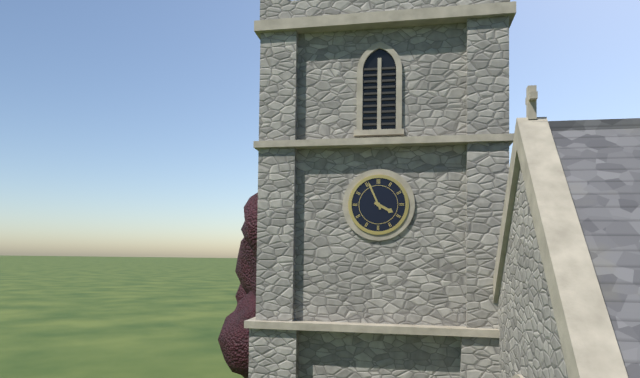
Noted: {"hour": 3, "minute": 56}
